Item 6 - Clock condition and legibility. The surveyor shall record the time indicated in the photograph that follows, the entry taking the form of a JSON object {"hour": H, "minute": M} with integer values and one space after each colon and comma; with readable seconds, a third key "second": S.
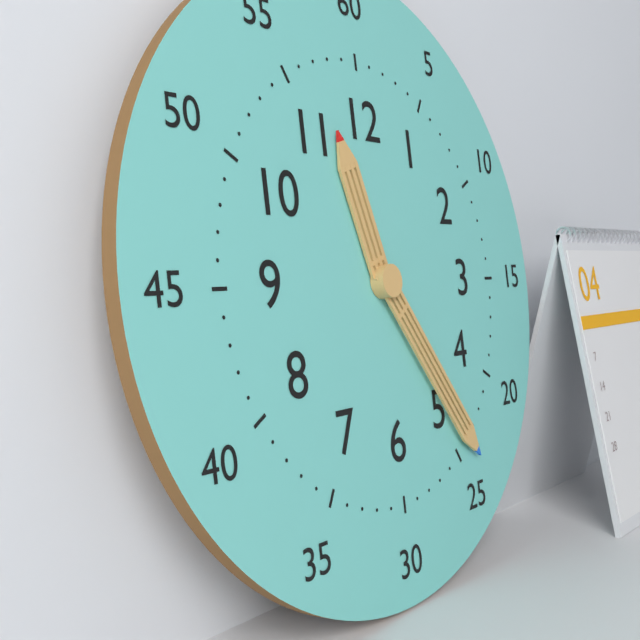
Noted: {"hour": 11, "minute": 24}
